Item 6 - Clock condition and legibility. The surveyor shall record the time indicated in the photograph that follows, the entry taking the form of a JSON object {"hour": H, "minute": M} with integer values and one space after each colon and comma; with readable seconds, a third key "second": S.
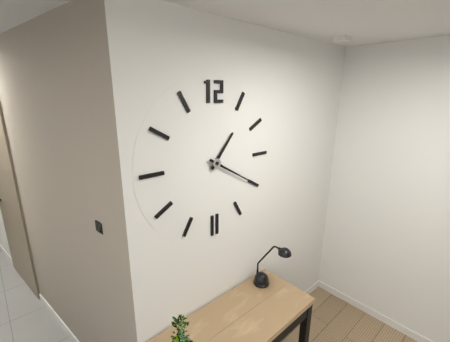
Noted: {"hour": 1, "minute": 20}
